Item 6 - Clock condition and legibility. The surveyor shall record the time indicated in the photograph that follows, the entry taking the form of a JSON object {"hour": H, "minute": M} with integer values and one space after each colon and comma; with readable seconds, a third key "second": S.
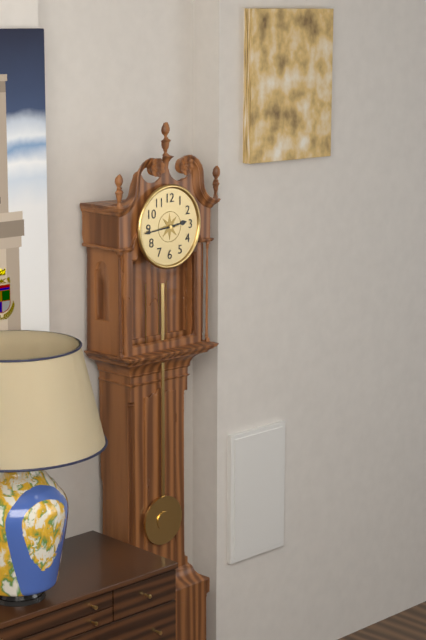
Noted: {"hour": 2, "minute": 44}
